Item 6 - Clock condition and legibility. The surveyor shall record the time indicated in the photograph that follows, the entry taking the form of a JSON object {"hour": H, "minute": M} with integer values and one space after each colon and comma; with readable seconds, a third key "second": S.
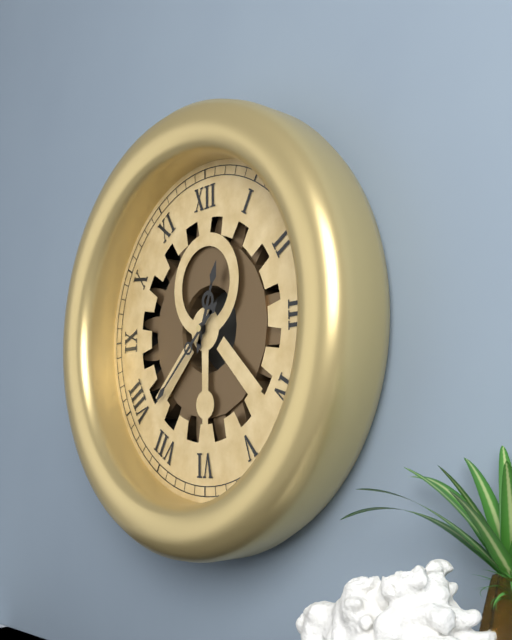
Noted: {"hour": 12, "minute": 38}
